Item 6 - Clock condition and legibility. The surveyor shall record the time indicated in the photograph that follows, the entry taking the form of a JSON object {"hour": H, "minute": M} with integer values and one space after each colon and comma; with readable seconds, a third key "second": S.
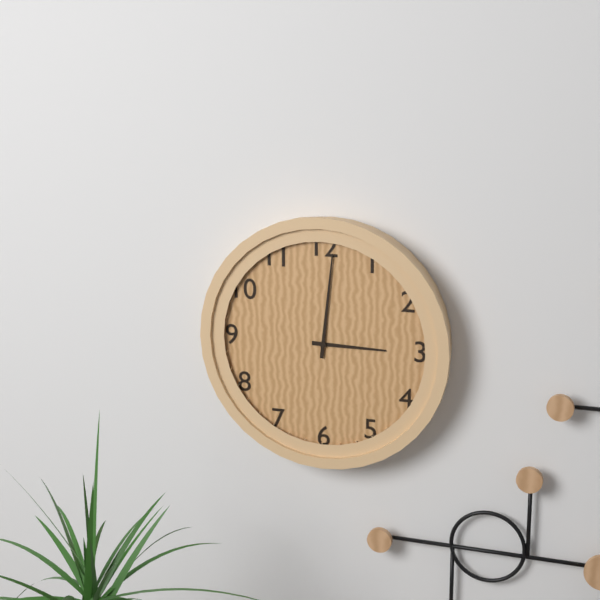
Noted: {"hour": 3, "minute": 1}
